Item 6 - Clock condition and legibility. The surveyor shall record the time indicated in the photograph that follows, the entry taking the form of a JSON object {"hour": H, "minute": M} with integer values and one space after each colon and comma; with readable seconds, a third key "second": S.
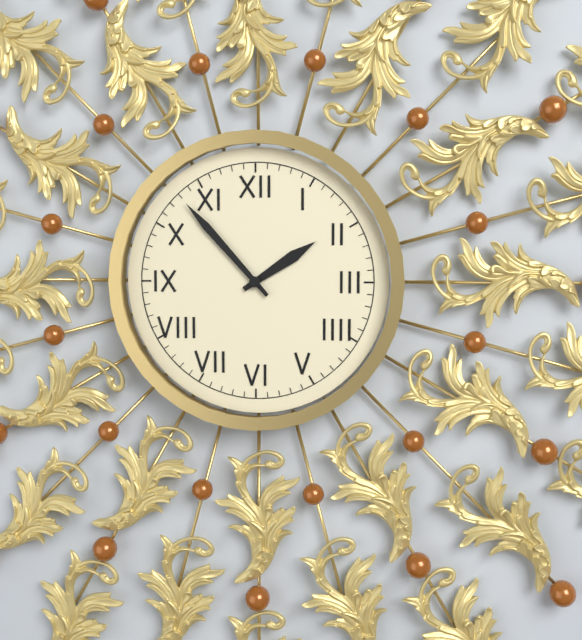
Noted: {"hour": 1, "minute": 53}
